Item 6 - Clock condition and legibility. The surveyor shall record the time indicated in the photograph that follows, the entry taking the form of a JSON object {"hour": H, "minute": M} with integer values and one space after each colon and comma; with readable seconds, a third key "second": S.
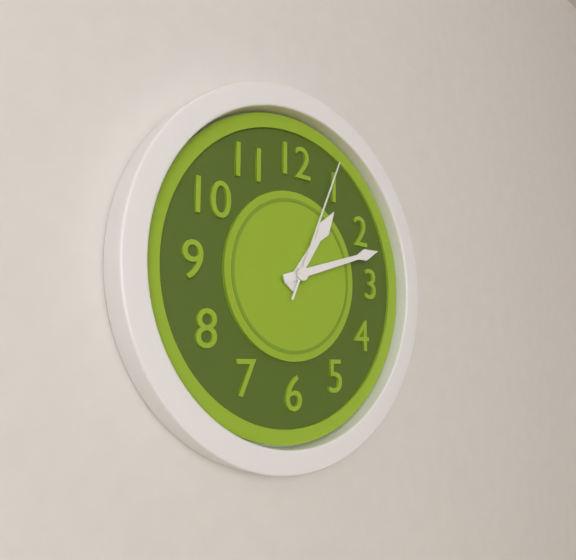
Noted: {"hour": 1, "minute": 12, "second": 4}
